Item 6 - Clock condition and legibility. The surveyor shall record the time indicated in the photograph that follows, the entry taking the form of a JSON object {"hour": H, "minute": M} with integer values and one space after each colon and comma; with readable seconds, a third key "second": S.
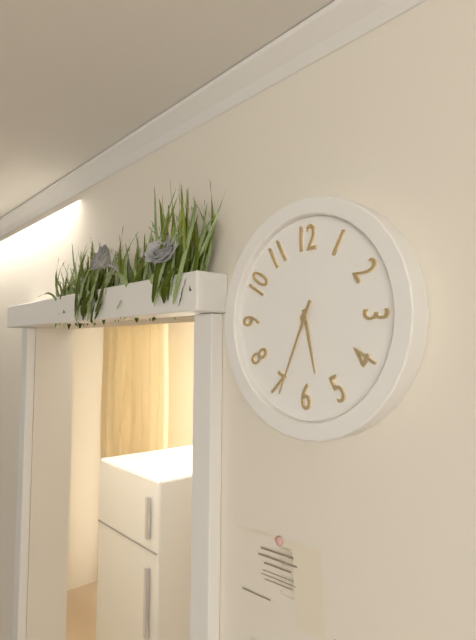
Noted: {"hour": 5, "minute": 34}
